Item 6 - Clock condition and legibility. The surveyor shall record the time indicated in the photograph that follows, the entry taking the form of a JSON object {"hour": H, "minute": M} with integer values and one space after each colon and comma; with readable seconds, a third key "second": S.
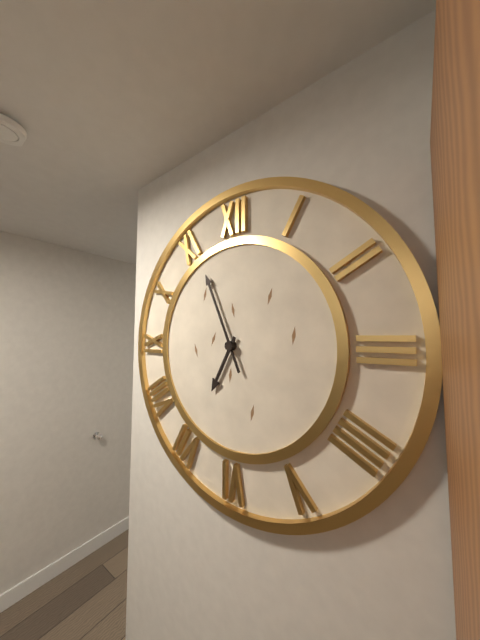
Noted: {"hour": 6, "minute": 56}
